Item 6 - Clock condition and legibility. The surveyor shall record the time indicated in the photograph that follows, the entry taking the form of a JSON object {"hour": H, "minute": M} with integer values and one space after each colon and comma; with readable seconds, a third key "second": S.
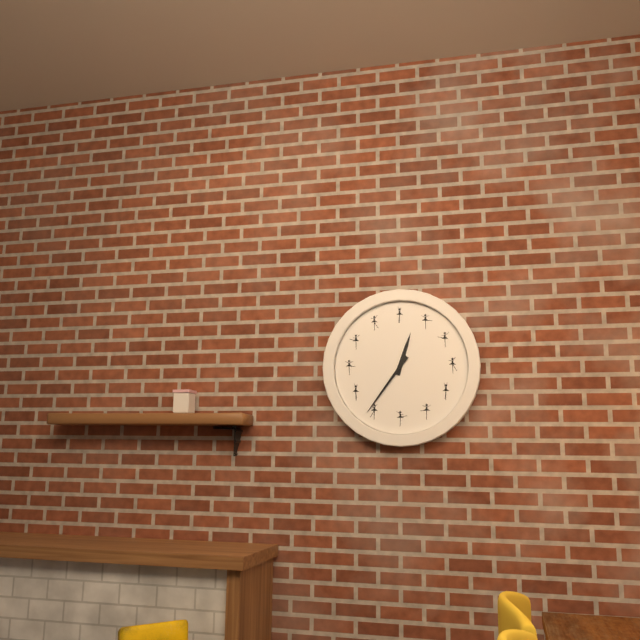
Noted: {"hour": 12, "minute": 36}
